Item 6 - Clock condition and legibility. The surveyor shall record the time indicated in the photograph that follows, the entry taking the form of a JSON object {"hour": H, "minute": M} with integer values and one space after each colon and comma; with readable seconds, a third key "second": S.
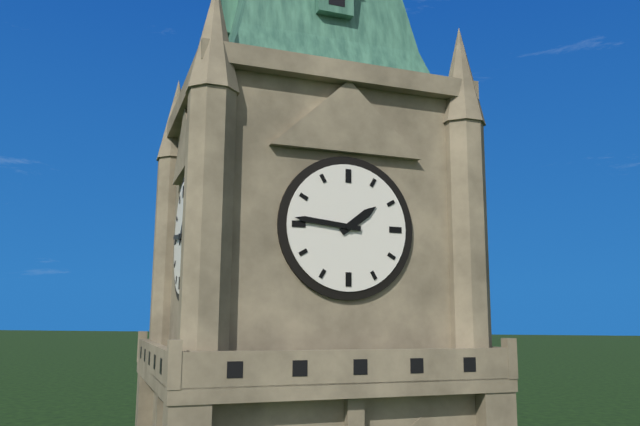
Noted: {"hour": 1, "minute": 46}
